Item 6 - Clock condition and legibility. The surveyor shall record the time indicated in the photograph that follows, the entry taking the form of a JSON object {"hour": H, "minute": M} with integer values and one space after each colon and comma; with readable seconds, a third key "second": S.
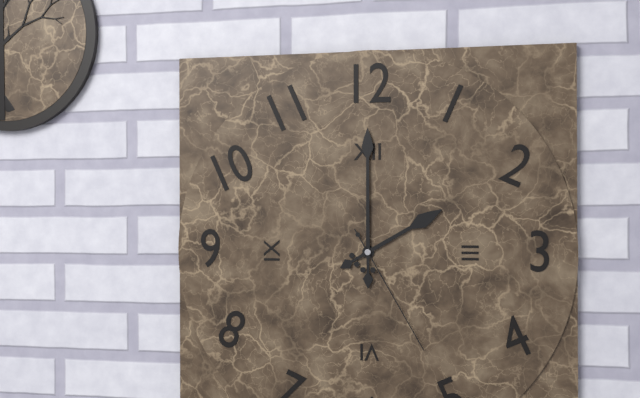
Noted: {"hour": 2, "minute": 0, "second": 25}
